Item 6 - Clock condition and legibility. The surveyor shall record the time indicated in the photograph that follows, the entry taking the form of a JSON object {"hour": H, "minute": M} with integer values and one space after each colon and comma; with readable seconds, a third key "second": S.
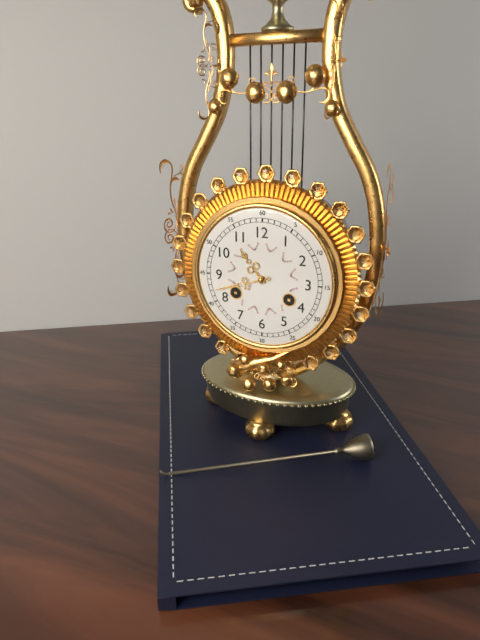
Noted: {"hour": 10, "minute": 42}
